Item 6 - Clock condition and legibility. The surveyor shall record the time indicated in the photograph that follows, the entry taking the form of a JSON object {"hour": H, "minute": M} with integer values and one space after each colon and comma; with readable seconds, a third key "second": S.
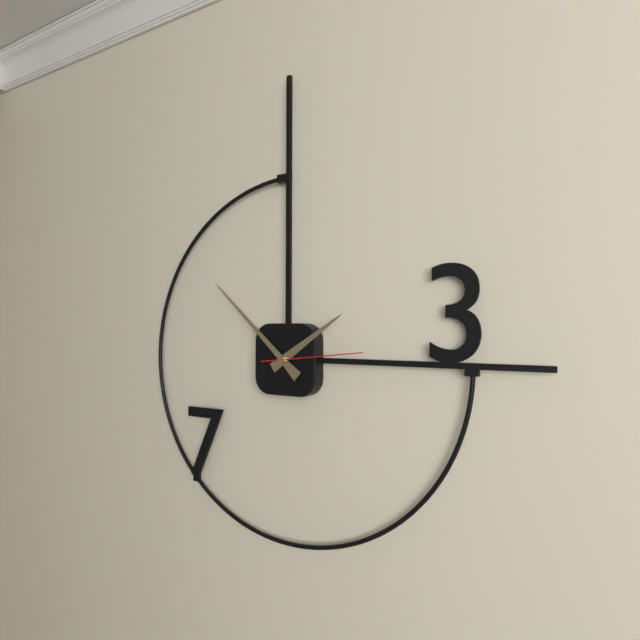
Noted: {"hour": 1, "minute": 52, "second": 14}
